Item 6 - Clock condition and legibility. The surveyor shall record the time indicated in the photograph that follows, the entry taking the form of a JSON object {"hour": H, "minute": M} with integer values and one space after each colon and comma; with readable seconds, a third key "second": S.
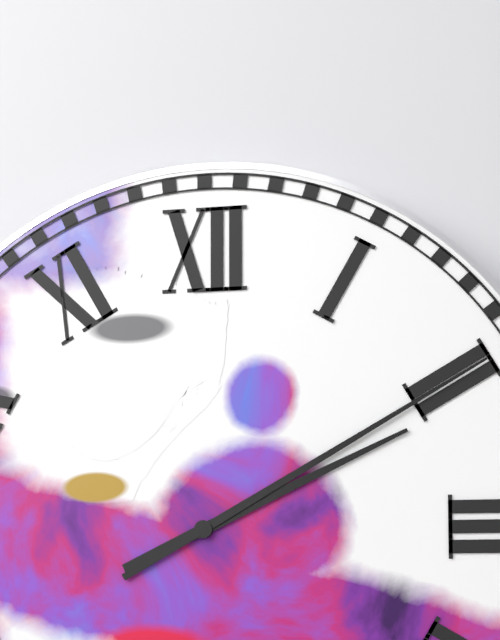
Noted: {"hour": 2, "minute": 10}
